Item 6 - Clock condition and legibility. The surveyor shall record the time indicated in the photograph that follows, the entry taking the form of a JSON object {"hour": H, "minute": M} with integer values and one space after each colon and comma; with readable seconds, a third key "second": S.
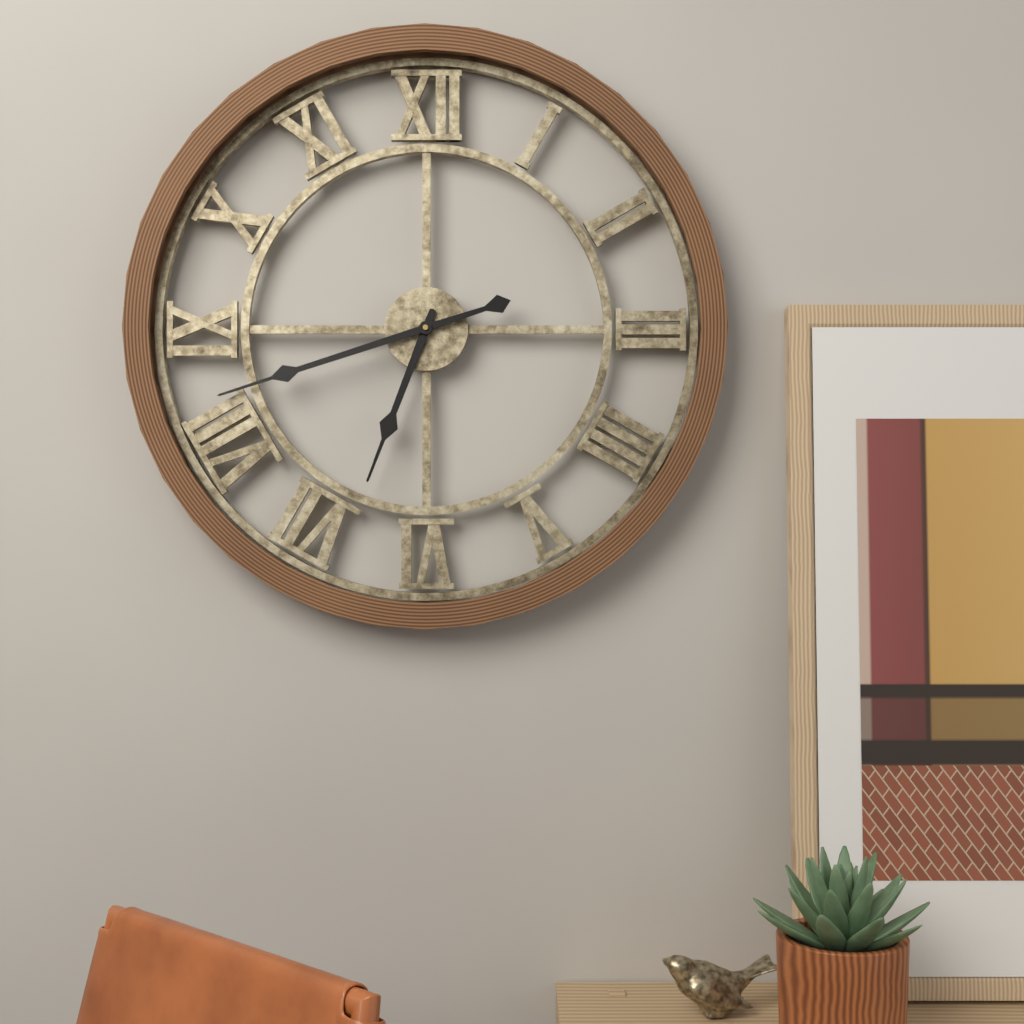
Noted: {"hour": 6, "minute": 42}
